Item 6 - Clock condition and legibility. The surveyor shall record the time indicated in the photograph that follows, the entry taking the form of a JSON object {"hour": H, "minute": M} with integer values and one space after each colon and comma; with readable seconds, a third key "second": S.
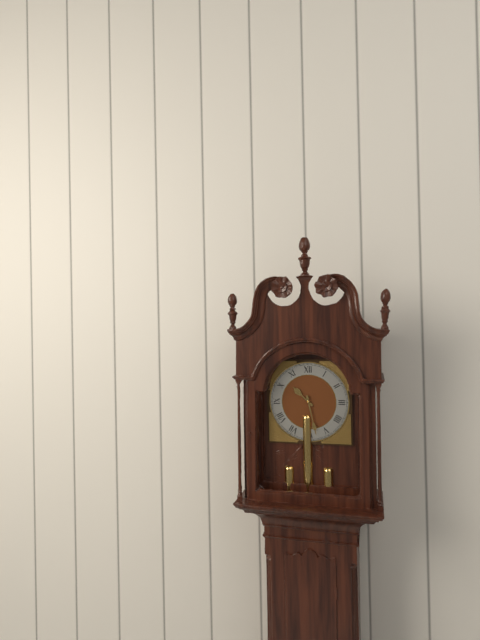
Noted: {"hour": 10, "minute": 28}
